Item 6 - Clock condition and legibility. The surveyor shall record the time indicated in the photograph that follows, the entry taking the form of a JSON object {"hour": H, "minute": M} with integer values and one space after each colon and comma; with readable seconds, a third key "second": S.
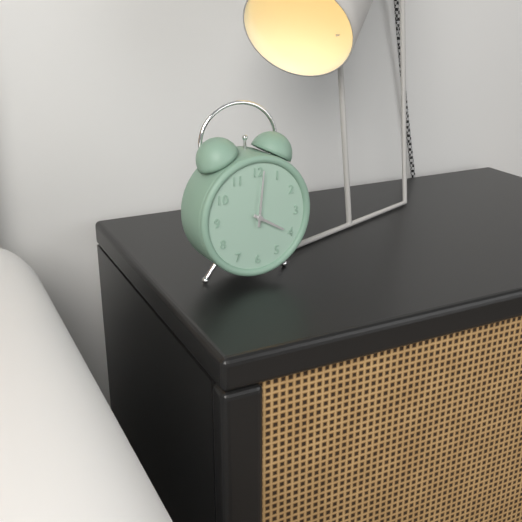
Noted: {"hour": 4, "minute": 1}
